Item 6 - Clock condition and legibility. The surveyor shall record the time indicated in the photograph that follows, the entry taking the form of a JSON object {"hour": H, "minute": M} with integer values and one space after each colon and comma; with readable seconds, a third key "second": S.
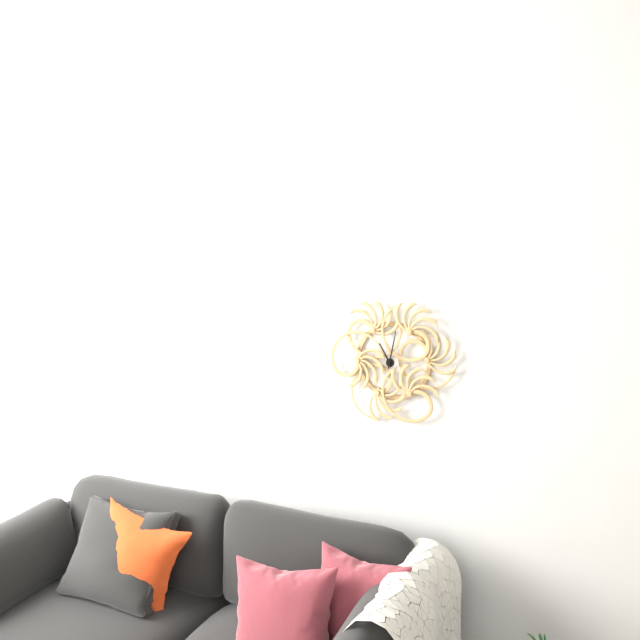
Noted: {"hour": 11, "minute": 2}
